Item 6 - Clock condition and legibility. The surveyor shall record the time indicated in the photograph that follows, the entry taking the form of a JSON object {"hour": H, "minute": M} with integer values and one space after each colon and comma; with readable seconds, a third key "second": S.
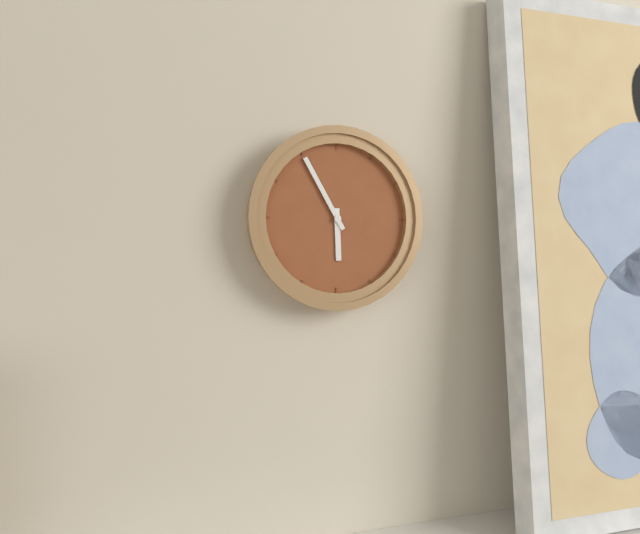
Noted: {"hour": 5, "minute": 55}
